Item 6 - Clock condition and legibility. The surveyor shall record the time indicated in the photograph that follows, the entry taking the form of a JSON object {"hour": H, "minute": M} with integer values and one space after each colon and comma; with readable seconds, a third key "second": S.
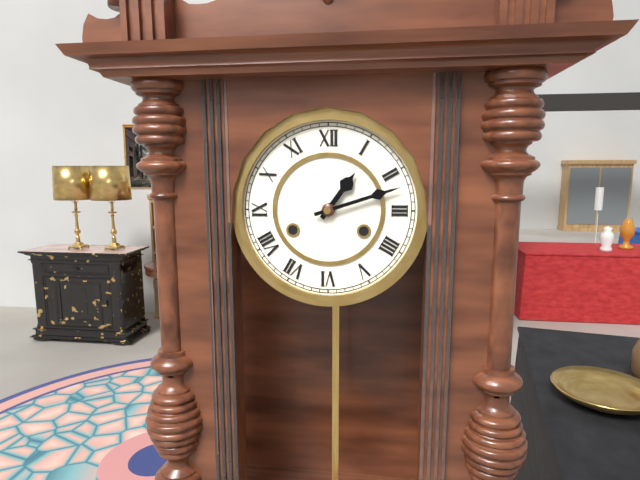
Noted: {"hour": 1, "minute": 12}
